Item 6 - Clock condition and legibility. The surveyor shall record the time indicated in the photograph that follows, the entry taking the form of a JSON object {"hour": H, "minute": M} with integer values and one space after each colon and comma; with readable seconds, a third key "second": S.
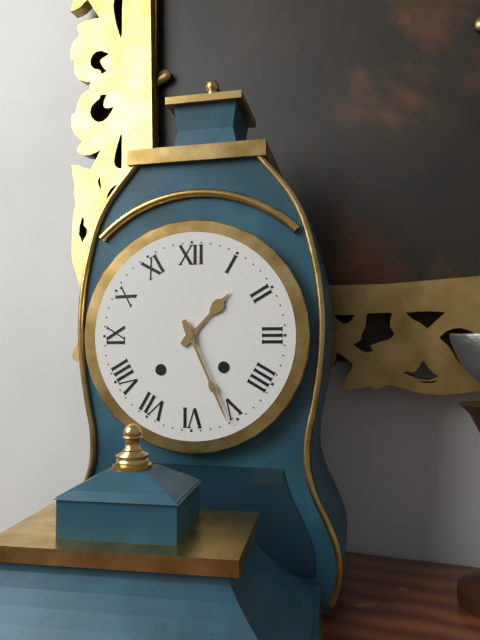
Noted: {"hour": 1, "minute": 26}
